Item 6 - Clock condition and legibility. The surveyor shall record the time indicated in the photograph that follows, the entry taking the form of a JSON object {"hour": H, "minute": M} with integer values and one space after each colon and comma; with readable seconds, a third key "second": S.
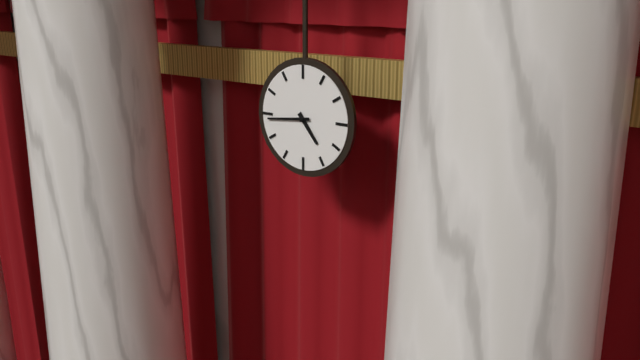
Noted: {"hour": 4, "minute": 44}
